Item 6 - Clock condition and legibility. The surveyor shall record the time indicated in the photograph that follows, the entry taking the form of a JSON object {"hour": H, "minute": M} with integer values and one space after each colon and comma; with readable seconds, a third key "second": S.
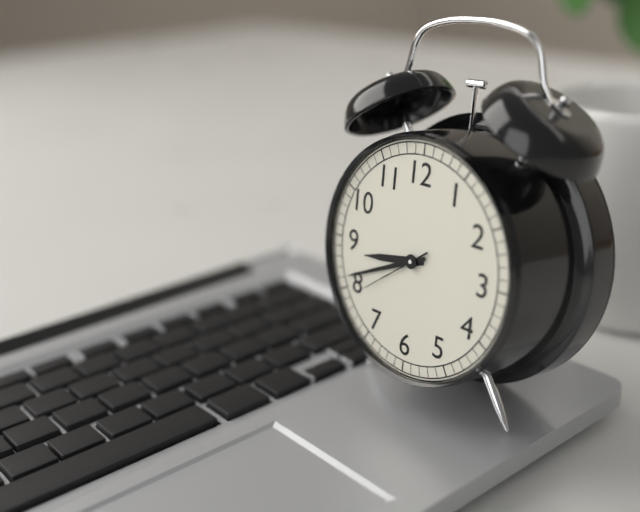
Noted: {"hour": 8, "minute": 41, "second": 39}
